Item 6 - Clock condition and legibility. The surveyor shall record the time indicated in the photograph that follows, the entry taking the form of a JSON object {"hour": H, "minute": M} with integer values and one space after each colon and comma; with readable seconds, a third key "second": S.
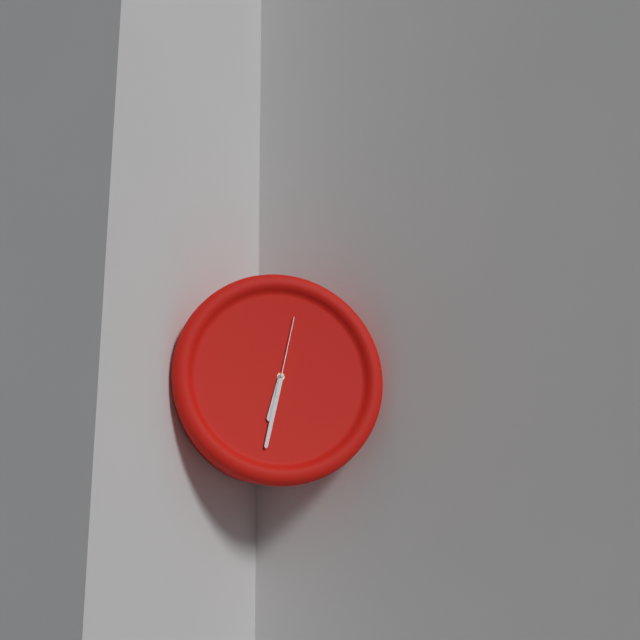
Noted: {"hour": 6, "minute": 32, "second": 2}
